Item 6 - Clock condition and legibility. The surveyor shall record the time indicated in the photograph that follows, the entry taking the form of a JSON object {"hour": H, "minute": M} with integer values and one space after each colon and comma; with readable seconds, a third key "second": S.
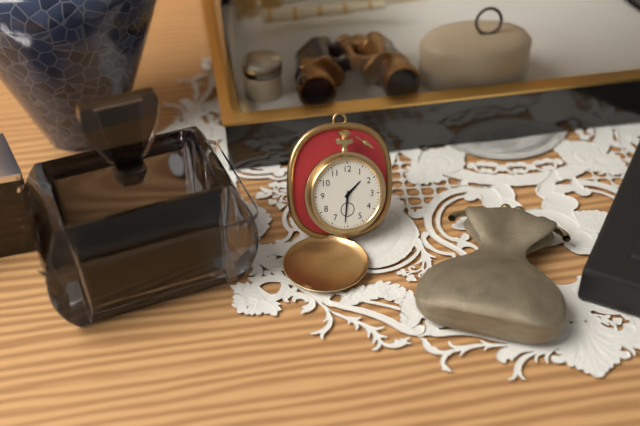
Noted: {"hour": 1, "minute": 31}
